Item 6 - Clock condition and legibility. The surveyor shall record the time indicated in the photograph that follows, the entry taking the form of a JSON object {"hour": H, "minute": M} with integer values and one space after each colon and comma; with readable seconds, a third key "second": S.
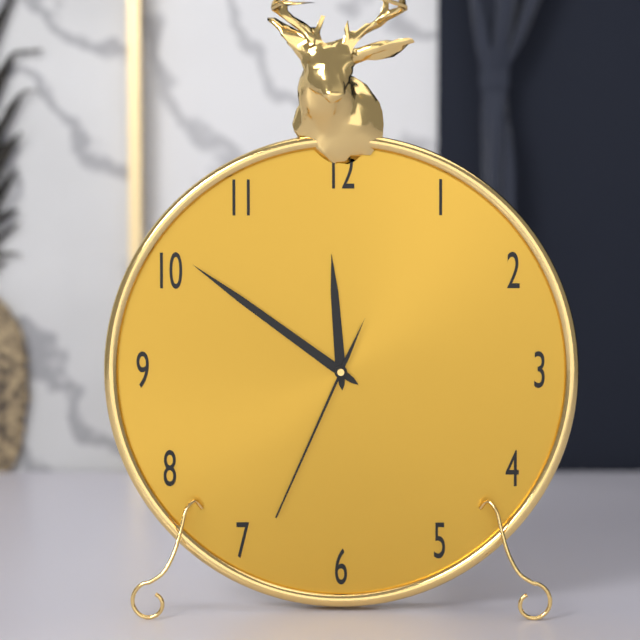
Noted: {"hour": 11, "minute": 51, "second": 34}
